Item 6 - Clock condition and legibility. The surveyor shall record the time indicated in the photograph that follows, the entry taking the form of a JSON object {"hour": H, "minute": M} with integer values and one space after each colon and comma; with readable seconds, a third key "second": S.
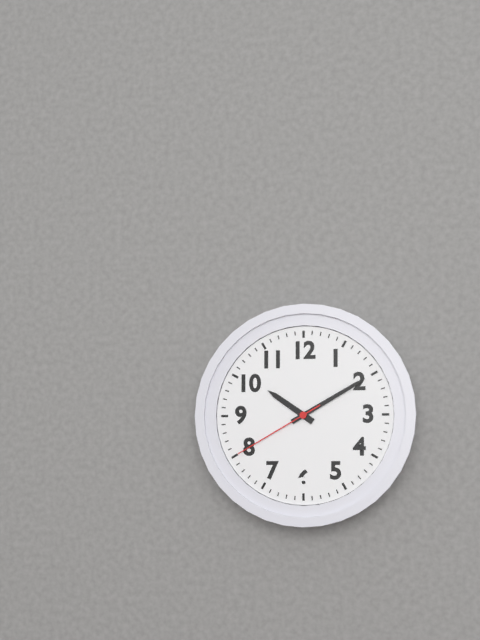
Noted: {"hour": 10, "minute": 10, "second": 40}
